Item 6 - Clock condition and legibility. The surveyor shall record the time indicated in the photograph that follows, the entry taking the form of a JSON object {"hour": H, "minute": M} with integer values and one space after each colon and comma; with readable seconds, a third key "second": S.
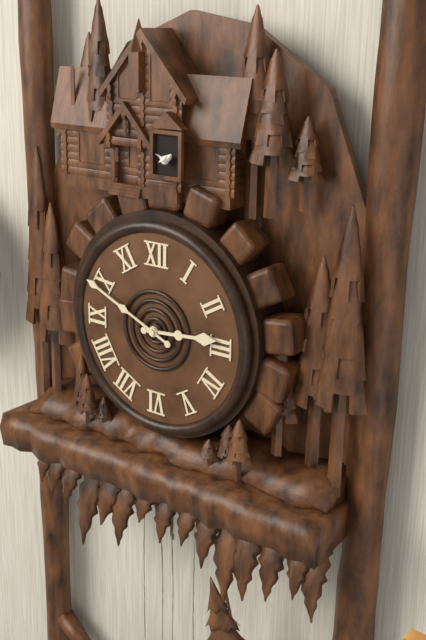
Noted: {"hour": 2, "minute": 49}
